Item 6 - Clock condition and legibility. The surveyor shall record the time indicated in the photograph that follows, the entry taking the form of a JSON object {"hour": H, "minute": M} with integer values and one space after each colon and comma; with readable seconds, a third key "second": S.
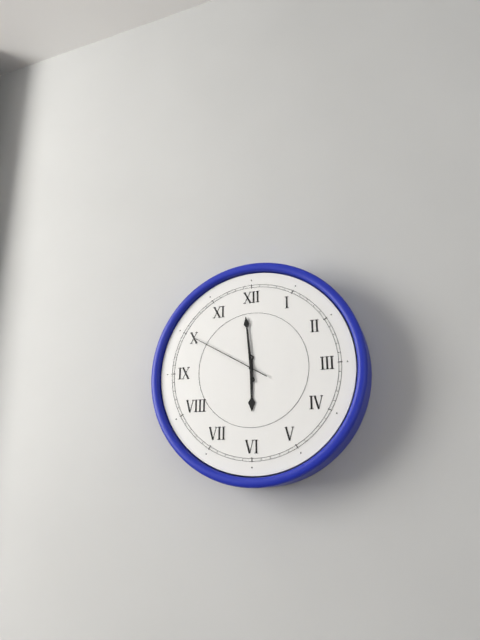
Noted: {"hour": 5, "minute": 59, "second": 50}
